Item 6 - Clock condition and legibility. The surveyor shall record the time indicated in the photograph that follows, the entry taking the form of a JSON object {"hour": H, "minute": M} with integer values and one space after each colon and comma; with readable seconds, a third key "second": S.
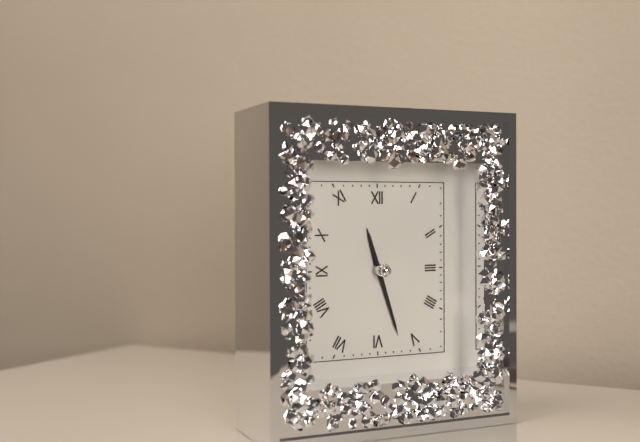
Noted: {"hour": 11, "minute": 27}
